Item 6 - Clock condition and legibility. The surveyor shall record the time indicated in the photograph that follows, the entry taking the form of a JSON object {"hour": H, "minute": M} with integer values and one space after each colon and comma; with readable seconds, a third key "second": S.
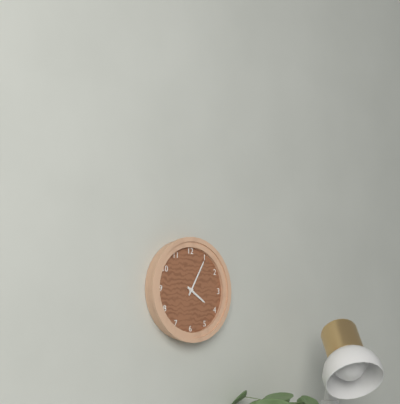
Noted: {"hour": 4, "minute": 5}
